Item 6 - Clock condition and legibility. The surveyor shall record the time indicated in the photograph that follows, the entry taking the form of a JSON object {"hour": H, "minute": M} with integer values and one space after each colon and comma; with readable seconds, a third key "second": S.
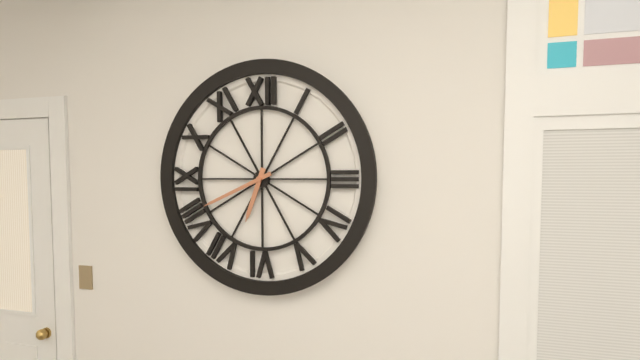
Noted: {"hour": 6, "minute": 41}
